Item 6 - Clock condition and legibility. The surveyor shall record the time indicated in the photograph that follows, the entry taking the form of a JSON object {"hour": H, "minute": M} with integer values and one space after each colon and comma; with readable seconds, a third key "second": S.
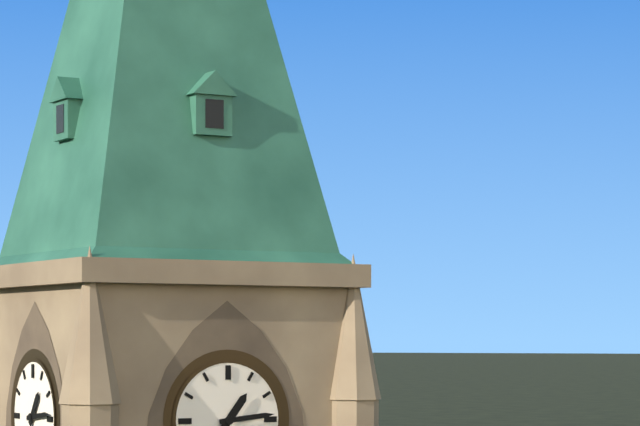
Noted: {"hour": 1, "minute": 14}
